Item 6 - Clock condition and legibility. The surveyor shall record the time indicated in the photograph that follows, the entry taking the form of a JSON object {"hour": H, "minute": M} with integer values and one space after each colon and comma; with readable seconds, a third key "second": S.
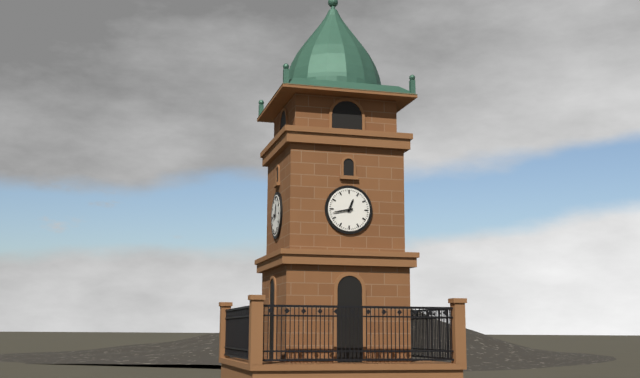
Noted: {"hour": 12, "minute": 43}
